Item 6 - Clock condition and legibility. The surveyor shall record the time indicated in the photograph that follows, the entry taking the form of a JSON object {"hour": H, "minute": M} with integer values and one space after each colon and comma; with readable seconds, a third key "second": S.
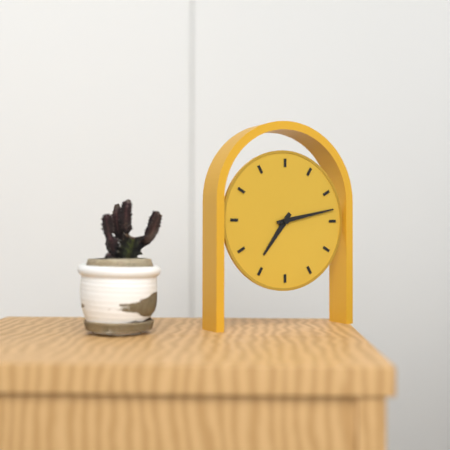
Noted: {"hour": 7, "minute": 13}
